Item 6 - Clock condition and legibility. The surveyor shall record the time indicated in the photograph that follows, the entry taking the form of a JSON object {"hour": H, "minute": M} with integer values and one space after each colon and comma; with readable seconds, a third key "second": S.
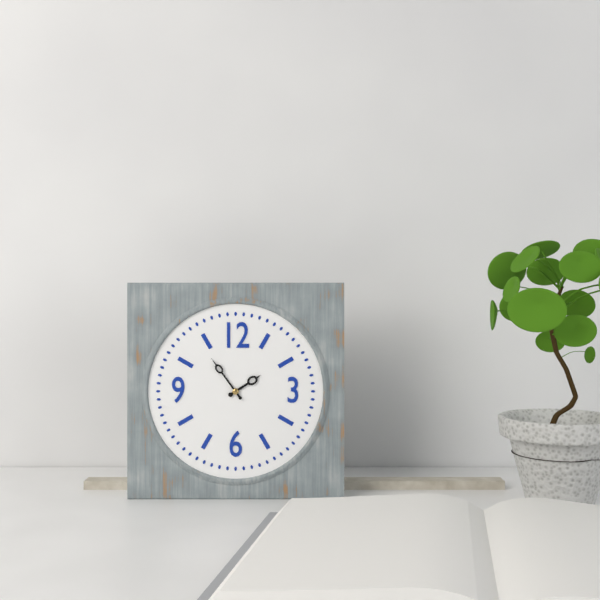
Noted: {"hour": 1, "minute": 54}
